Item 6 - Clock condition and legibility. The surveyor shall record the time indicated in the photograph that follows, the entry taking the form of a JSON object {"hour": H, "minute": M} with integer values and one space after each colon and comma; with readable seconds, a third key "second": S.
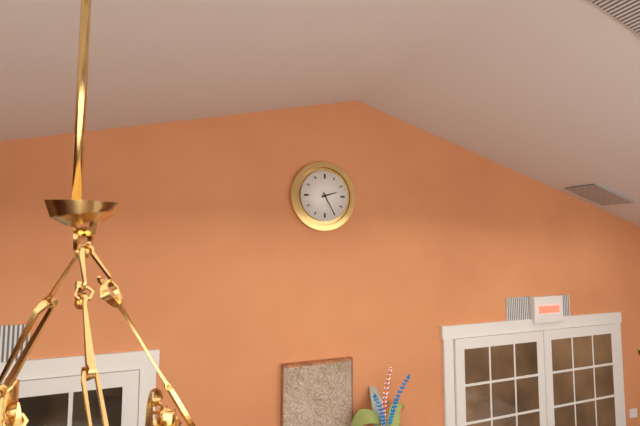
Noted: {"hour": 2, "minute": 25}
